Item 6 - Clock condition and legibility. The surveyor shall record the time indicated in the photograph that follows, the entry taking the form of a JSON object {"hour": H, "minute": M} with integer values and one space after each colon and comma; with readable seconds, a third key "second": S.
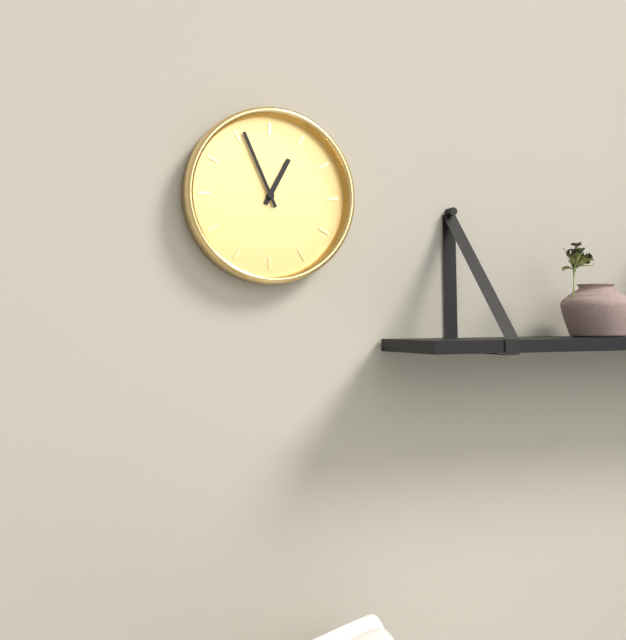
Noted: {"hour": 12, "minute": 56}
